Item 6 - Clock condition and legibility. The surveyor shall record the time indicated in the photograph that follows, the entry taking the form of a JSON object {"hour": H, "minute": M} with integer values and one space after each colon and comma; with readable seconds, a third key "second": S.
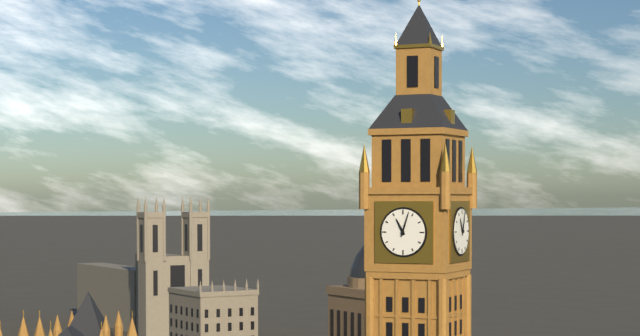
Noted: {"hour": 11, "minute": 3}
